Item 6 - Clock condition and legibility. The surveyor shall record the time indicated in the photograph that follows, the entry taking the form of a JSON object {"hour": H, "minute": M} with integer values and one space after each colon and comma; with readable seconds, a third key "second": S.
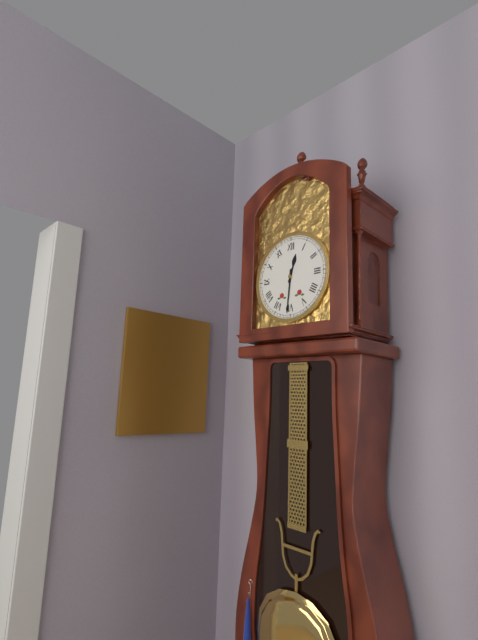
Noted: {"hour": 12, "minute": 31}
